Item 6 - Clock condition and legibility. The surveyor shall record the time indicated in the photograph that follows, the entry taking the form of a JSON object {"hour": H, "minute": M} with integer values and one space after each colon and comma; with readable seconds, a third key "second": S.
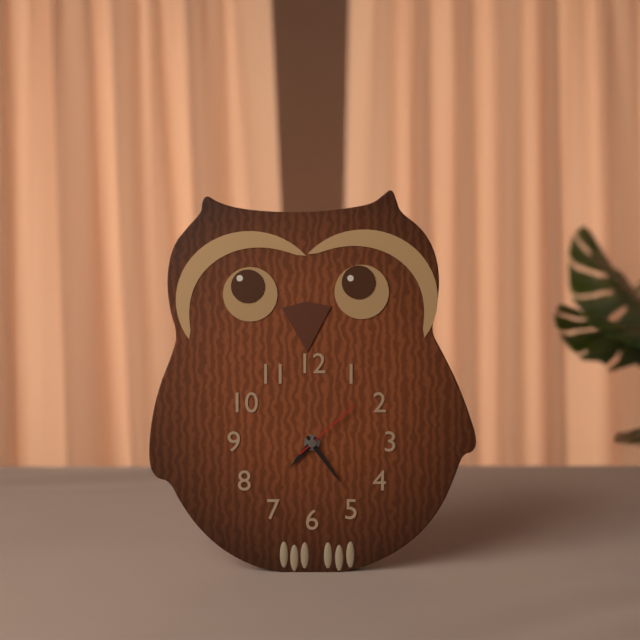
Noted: {"hour": 7, "minute": 24, "second": 8}
